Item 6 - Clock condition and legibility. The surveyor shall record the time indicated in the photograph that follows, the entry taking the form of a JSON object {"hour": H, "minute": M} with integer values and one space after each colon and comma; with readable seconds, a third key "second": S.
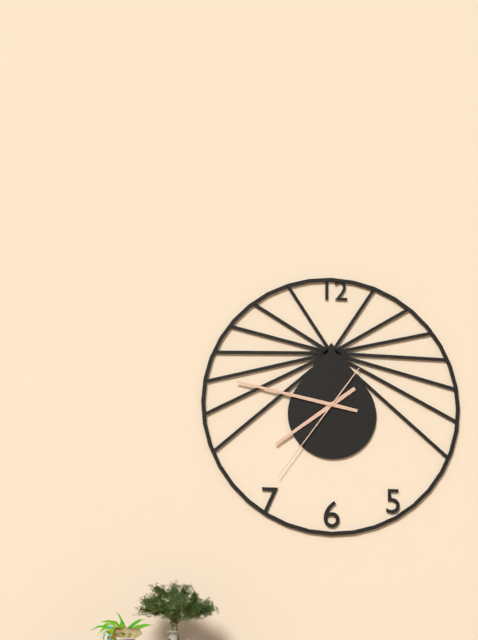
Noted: {"hour": 7, "minute": 47, "second": 36}
